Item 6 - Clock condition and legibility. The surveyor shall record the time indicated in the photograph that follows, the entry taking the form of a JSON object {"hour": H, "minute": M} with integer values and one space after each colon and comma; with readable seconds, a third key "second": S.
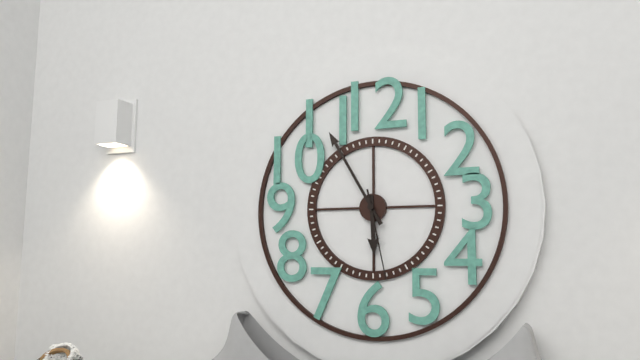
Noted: {"hour": 5, "minute": 55, "second": 28}
